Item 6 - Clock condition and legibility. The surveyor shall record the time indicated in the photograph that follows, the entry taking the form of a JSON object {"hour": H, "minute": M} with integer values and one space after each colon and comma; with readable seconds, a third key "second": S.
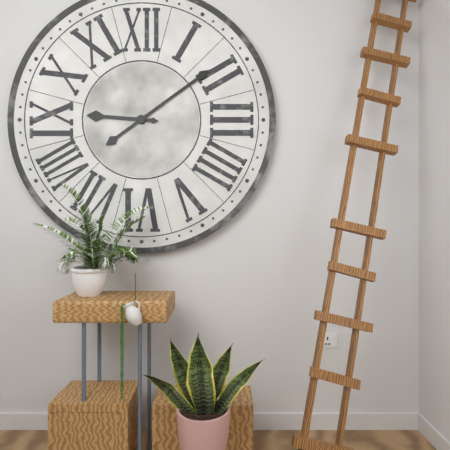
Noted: {"hour": 9, "minute": 9}
